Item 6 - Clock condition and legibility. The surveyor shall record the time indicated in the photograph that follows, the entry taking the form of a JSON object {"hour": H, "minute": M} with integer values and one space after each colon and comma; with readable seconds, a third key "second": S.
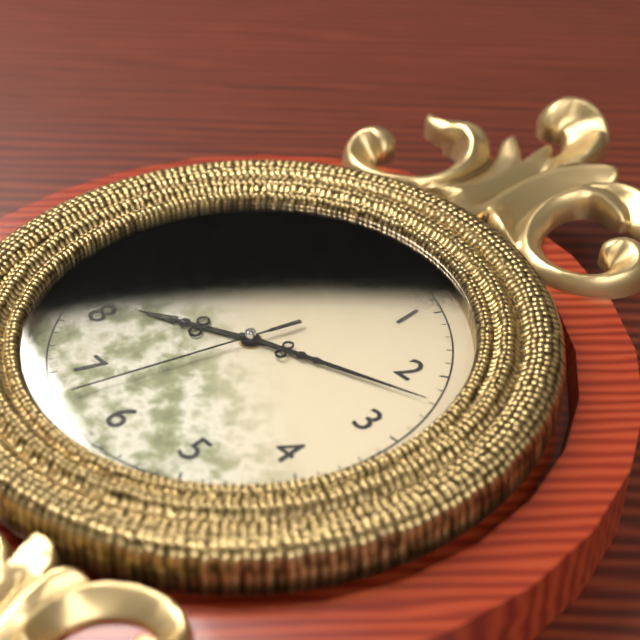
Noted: {"hour": 8, "minute": 12, "second": 33}
